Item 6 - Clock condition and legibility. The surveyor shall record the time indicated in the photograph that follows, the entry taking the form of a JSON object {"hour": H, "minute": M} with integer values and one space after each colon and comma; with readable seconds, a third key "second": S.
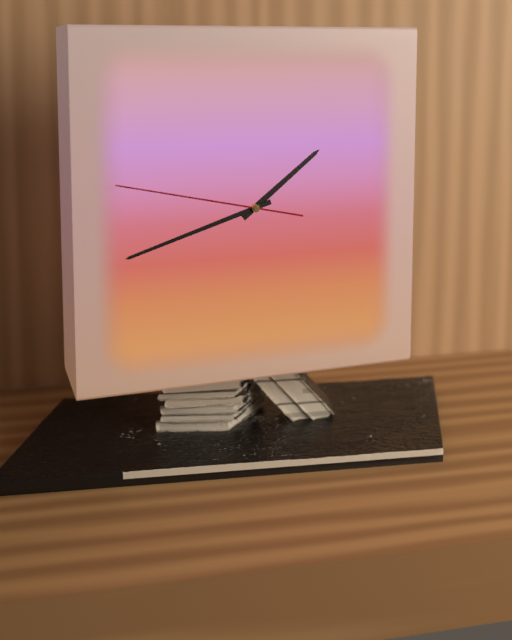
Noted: {"hour": 1, "minute": 42, "second": 47}
